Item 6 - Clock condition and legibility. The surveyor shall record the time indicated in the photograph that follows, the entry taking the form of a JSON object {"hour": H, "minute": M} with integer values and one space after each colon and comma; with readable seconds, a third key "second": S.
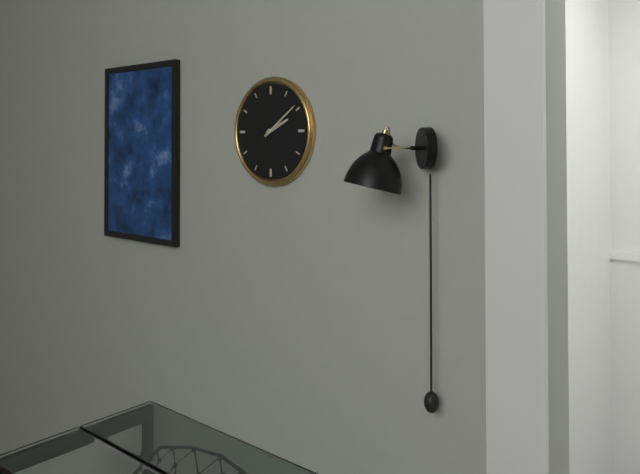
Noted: {"hour": 2, "minute": 9}
